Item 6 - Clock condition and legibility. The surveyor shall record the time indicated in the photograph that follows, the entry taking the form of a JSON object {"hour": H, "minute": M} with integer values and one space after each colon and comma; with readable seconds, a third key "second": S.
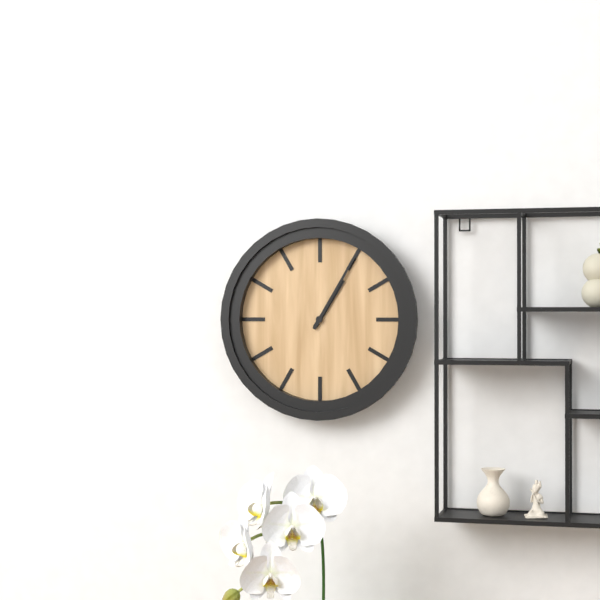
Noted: {"hour": 1, "minute": 5}
